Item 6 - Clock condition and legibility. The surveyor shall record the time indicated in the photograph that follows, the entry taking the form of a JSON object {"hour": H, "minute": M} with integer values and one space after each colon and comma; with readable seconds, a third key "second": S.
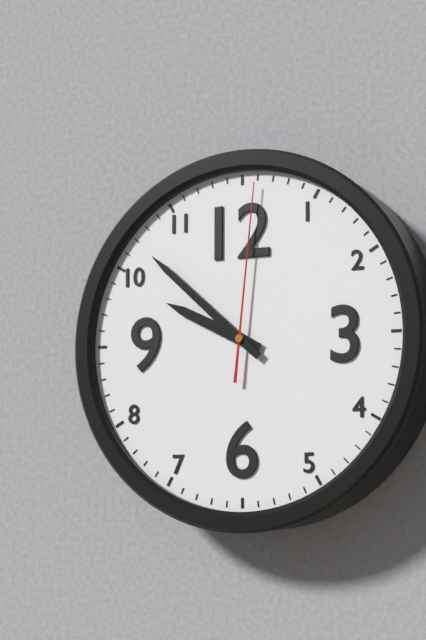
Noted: {"hour": 9, "minute": 52, "second": 1}
